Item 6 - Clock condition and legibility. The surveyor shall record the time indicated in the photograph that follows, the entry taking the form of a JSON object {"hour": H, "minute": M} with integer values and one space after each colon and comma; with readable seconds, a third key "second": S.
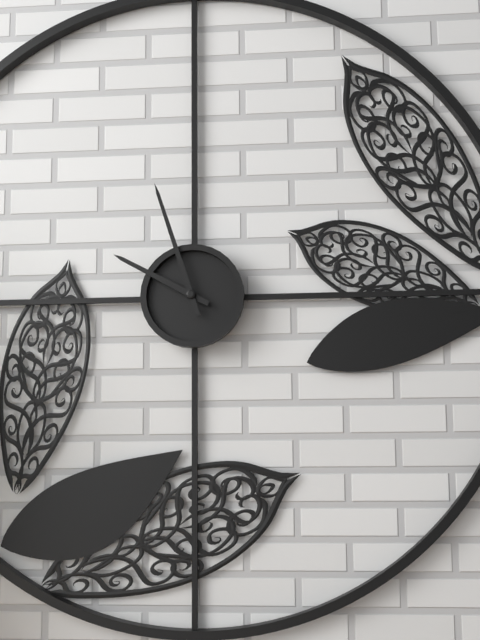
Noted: {"hour": 9, "minute": 57}
